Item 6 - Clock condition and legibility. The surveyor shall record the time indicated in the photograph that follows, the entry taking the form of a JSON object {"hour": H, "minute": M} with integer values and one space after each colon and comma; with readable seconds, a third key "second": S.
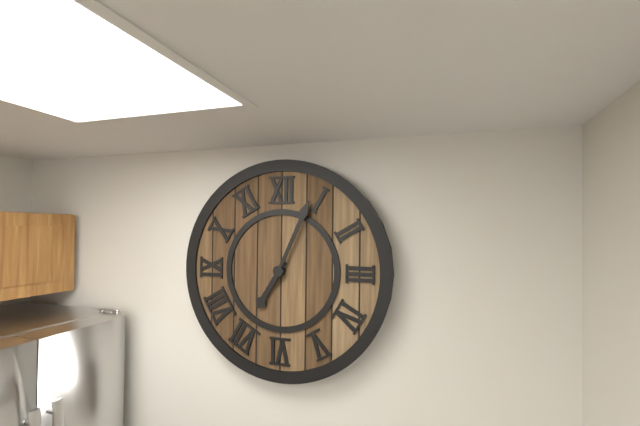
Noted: {"hour": 7, "minute": 4}
